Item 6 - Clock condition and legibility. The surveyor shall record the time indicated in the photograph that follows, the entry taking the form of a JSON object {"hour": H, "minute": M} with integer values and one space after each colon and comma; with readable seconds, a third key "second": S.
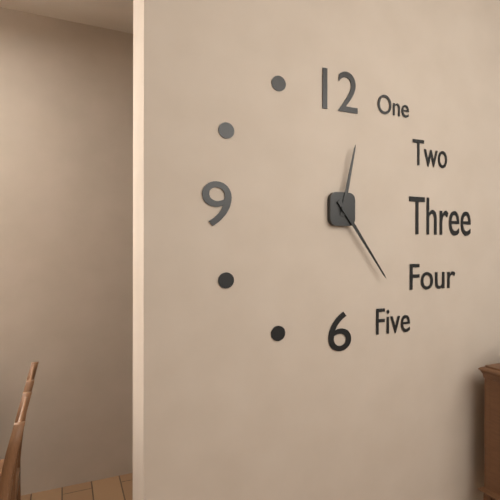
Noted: {"hour": 12, "minute": 24}
